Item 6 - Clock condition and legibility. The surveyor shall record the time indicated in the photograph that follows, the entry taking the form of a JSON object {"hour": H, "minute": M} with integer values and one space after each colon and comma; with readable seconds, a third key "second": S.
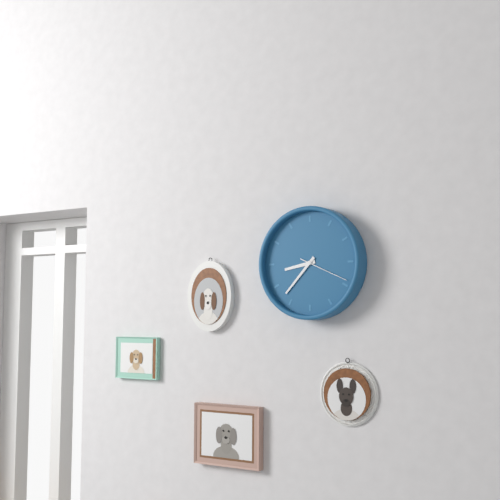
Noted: {"hour": 8, "minute": 37, "second": 19}
